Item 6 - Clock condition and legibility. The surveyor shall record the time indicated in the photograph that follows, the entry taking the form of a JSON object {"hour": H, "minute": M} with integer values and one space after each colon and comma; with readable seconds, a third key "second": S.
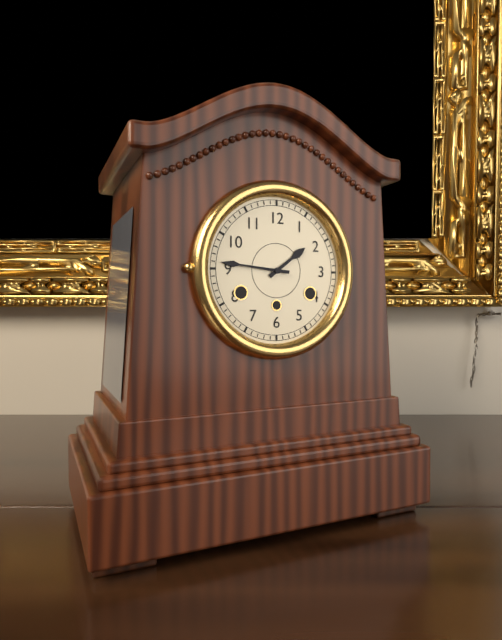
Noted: {"hour": 1, "minute": 46}
